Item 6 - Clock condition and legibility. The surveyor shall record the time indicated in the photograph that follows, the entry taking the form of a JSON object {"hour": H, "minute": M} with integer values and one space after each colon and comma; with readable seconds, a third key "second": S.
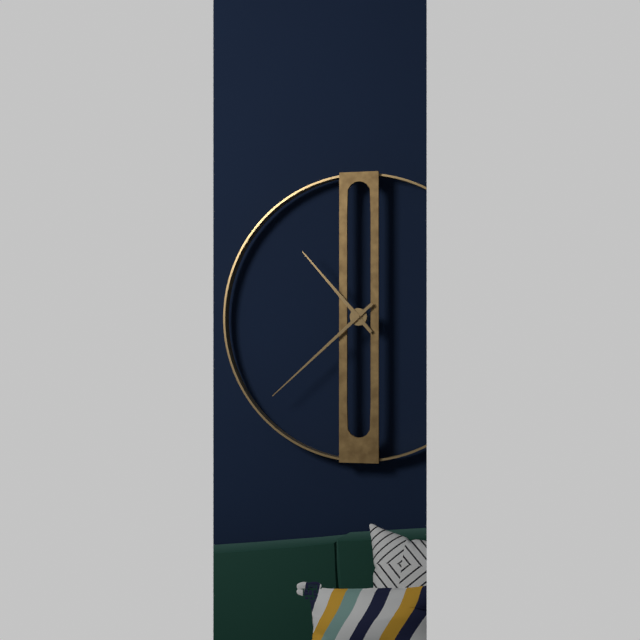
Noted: {"hour": 10, "minute": 38}
